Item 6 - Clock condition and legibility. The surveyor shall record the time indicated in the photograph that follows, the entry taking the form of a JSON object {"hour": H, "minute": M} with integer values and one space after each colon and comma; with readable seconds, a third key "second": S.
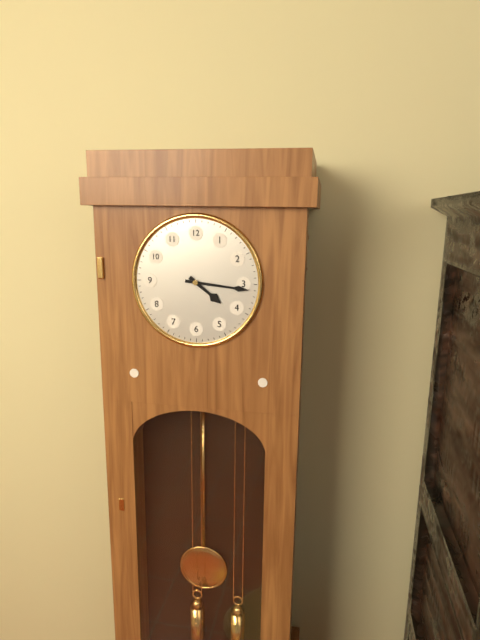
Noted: {"hour": 4, "minute": 16}
